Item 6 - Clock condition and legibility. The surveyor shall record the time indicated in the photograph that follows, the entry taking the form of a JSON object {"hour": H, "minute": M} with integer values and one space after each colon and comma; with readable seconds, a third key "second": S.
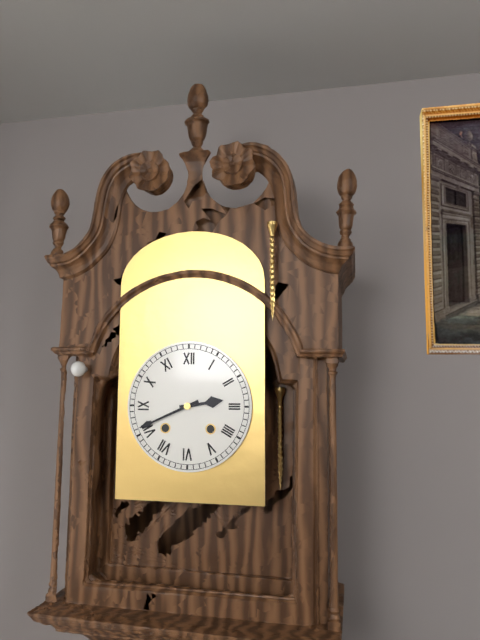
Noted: {"hour": 2, "minute": 41}
